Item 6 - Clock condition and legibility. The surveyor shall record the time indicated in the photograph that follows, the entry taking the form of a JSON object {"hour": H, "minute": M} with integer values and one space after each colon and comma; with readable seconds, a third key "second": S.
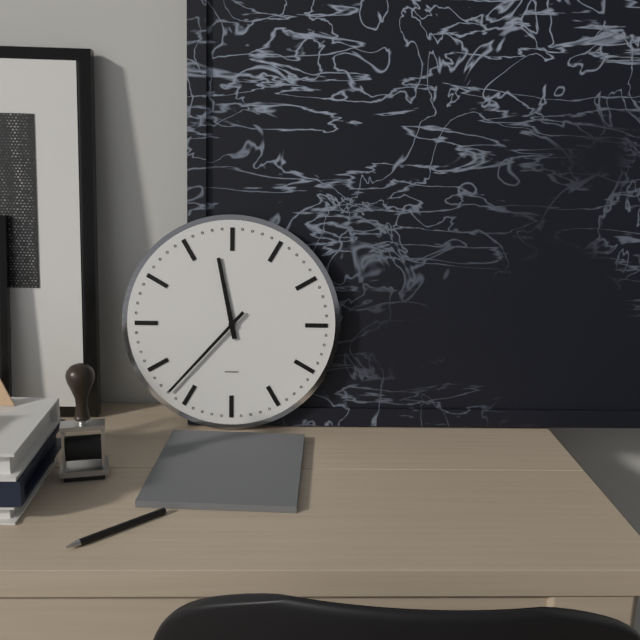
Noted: {"hour": 11, "minute": 37}
